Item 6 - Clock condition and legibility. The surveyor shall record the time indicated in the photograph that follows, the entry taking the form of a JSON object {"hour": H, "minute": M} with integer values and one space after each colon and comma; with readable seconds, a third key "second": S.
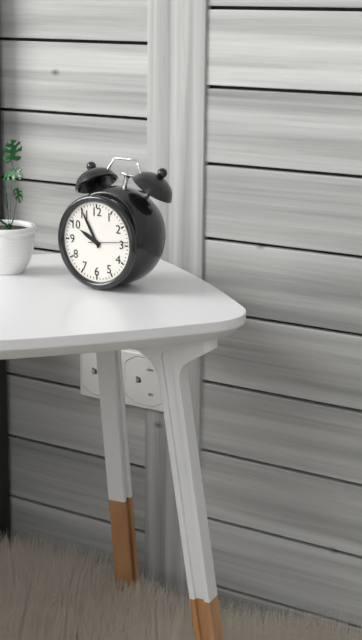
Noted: {"hour": 9, "minute": 55}
